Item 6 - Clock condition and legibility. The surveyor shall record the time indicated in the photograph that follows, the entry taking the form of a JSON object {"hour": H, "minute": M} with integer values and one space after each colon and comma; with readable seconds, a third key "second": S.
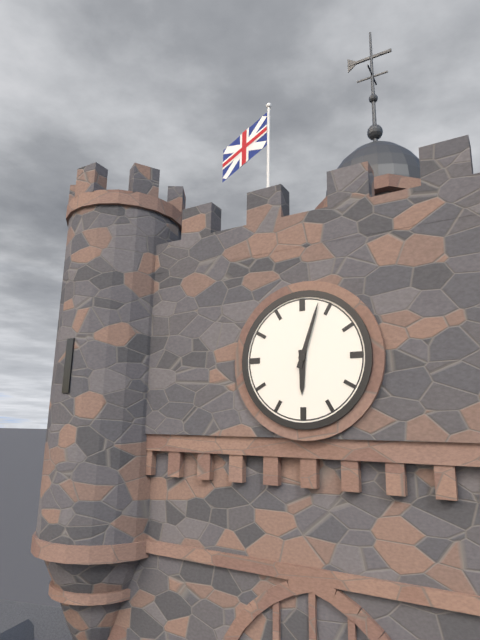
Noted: {"hour": 6, "minute": 3}
